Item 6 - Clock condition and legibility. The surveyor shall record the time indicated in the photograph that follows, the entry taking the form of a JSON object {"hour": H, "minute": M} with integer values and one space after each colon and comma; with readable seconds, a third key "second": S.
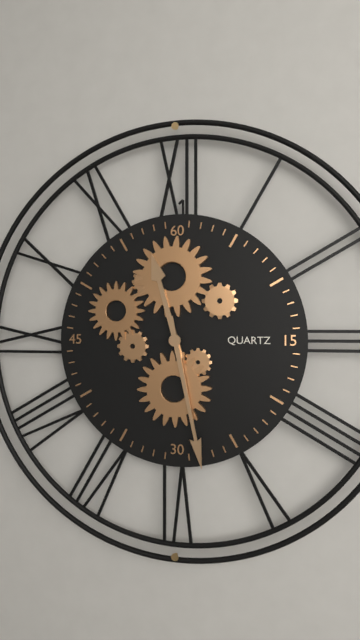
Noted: {"hour": 11, "minute": 28}
